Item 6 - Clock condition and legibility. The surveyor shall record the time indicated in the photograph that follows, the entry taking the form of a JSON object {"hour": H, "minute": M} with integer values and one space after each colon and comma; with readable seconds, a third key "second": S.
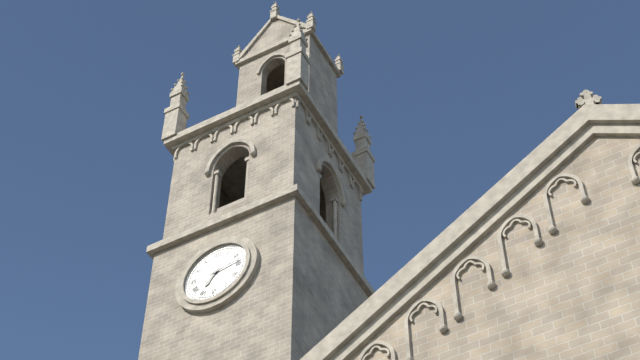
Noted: {"hour": 7, "minute": 13}
